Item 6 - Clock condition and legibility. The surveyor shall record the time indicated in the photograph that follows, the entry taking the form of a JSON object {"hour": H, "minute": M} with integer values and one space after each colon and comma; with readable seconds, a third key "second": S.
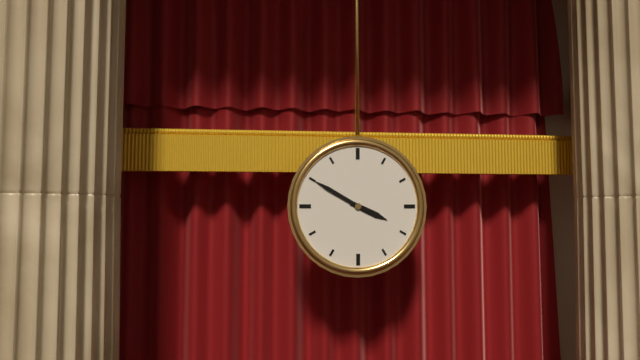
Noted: {"hour": 3, "minute": 50}
